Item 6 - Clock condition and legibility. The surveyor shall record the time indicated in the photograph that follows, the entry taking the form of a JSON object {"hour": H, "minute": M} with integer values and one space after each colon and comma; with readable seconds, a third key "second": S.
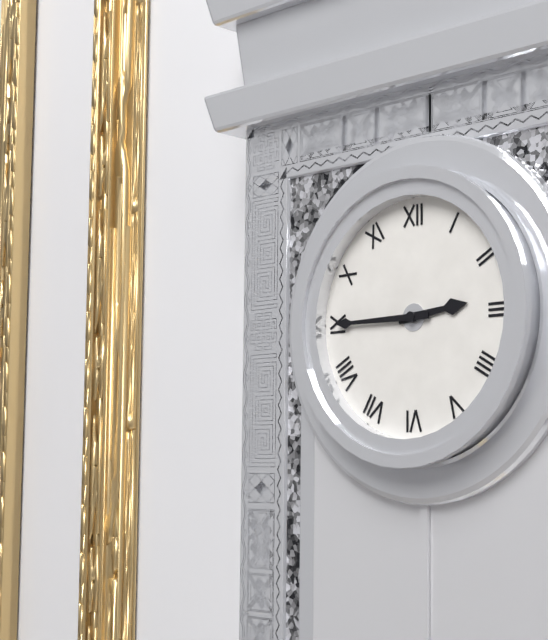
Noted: {"hour": 2, "minute": 45}
